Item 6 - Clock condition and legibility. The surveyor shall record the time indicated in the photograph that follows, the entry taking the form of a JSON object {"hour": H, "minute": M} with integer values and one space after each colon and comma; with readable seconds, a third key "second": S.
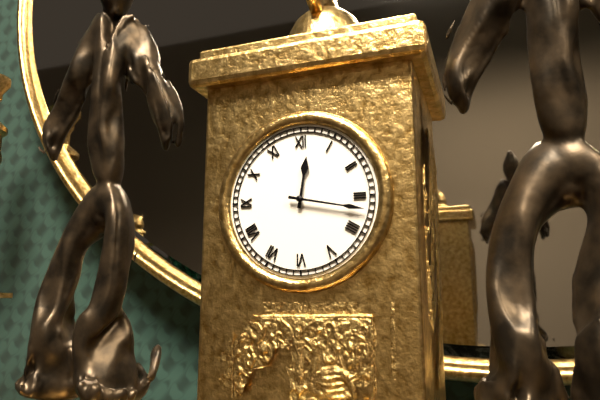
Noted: {"hour": 12, "minute": 17}
